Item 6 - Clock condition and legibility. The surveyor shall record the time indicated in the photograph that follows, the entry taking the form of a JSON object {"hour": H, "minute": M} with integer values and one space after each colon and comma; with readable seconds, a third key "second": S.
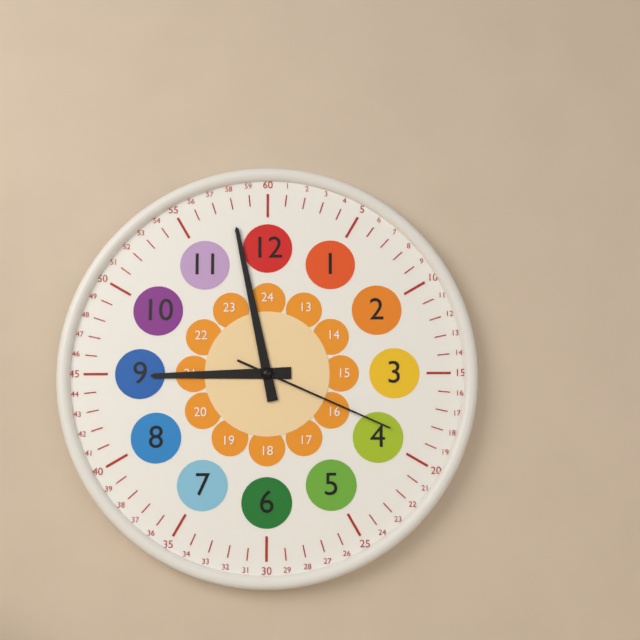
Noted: {"hour": 8, "minute": 58, "second": 19}
